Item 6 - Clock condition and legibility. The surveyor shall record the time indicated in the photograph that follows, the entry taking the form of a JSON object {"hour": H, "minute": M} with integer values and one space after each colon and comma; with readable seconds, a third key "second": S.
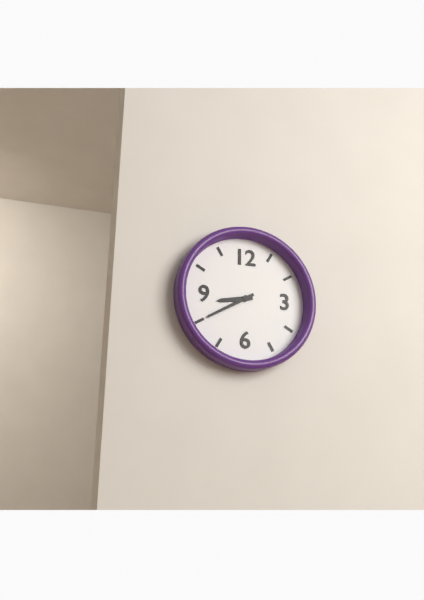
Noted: {"hour": 8, "minute": 40}
